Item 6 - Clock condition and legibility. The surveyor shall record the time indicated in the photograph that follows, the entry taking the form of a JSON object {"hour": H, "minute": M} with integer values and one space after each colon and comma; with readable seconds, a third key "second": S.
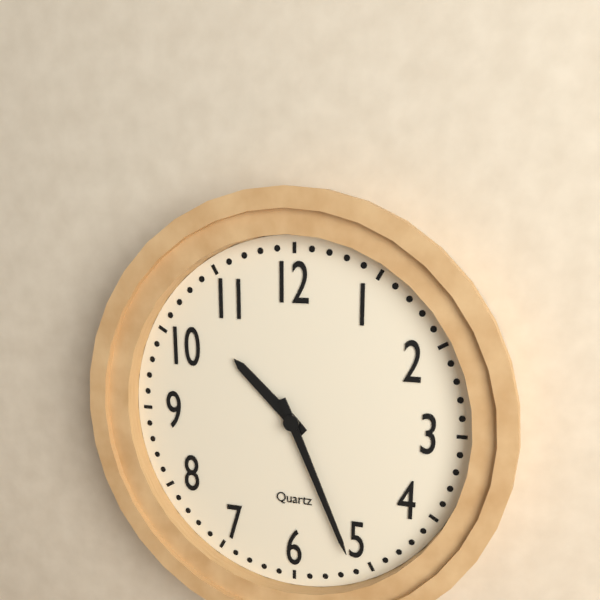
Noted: {"hour": 10, "minute": 26}
